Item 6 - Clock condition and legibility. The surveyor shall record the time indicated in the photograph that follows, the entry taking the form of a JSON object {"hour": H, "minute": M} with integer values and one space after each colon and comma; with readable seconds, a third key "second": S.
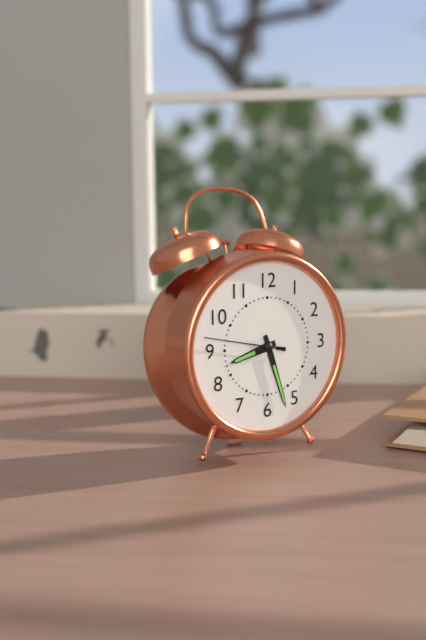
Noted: {"hour": 8, "minute": 27, "second": 47}
